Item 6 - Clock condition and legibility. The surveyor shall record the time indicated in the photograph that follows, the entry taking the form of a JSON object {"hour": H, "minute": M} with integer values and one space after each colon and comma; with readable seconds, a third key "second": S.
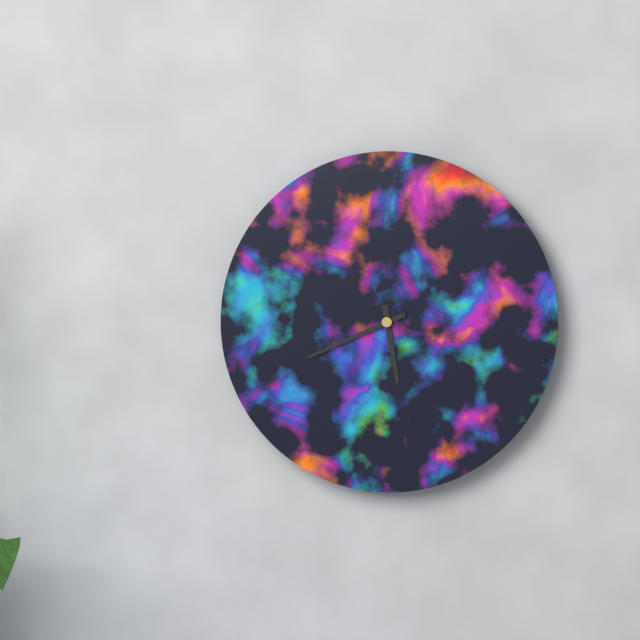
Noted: {"hour": 5, "minute": 41}
